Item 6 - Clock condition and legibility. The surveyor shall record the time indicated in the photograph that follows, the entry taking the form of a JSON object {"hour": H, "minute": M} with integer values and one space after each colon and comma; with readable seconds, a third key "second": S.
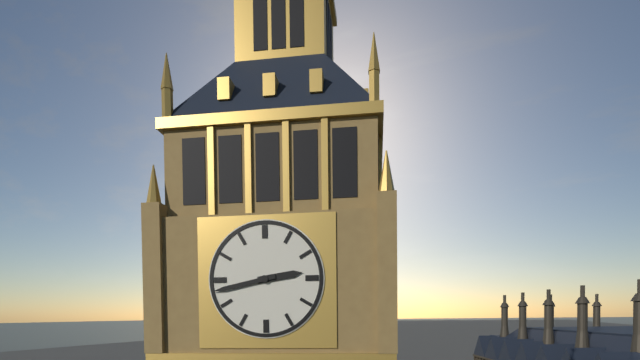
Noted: {"hour": 2, "minute": 43}
